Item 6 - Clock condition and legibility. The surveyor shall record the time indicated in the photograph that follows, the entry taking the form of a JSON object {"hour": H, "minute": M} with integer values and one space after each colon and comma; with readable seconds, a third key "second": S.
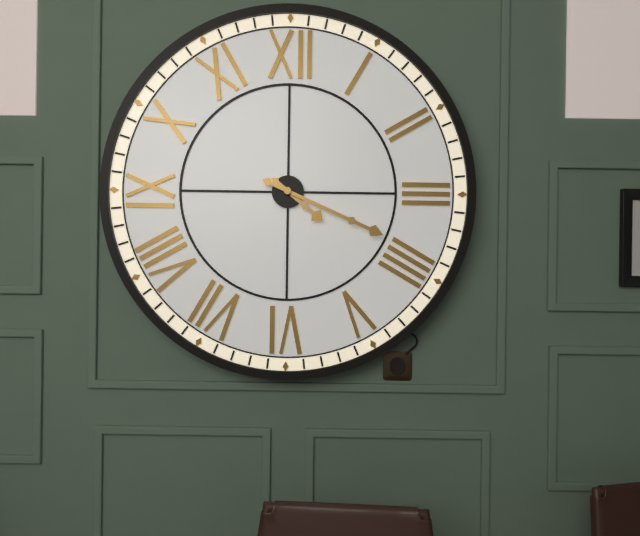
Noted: {"hour": 4, "minute": 19}
